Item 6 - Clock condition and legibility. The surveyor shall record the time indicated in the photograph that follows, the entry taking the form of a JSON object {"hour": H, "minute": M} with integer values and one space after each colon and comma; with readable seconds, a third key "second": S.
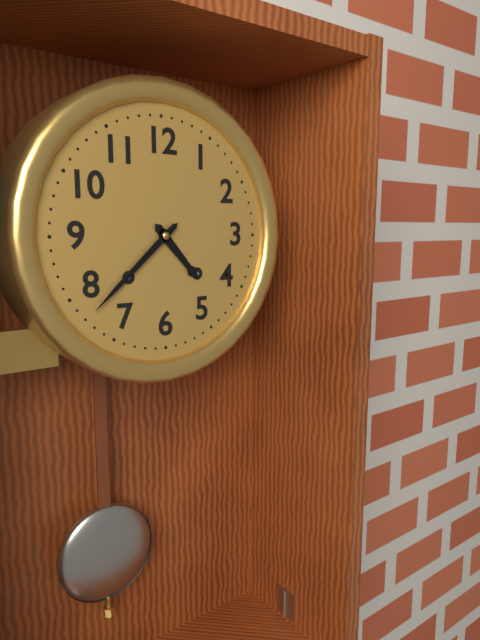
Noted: {"hour": 4, "minute": 38}
